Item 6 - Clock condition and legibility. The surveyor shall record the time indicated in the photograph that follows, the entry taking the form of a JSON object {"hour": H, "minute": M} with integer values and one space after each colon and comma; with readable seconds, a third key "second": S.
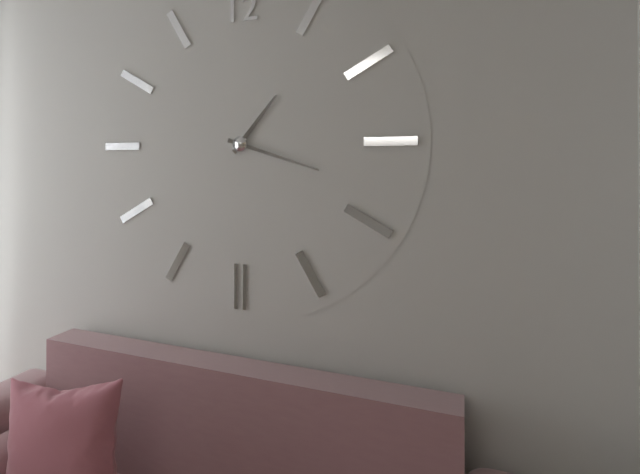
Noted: {"hour": 1, "minute": 18}
